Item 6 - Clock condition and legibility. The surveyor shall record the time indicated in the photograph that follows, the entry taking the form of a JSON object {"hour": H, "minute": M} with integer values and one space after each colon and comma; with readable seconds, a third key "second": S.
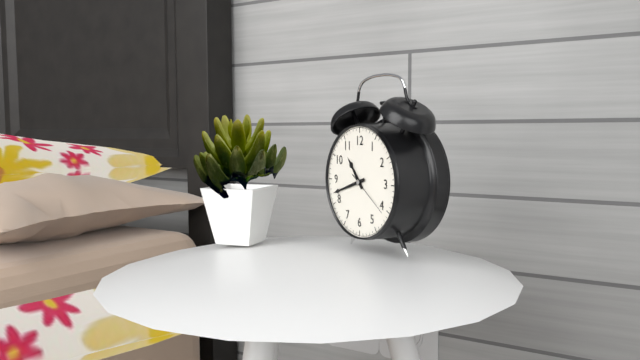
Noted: {"hour": 10, "minute": 42}
